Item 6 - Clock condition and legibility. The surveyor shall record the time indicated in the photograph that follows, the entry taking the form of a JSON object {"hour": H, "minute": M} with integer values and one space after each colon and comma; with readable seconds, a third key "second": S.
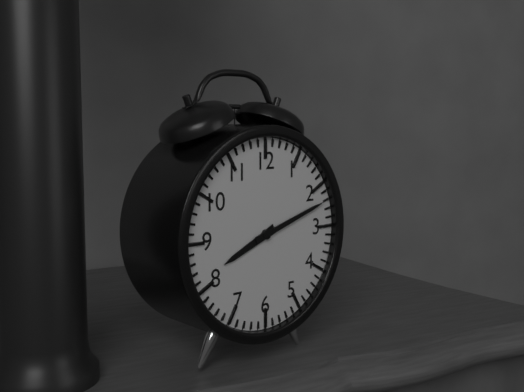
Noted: {"hour": 8, "minute": 12}
